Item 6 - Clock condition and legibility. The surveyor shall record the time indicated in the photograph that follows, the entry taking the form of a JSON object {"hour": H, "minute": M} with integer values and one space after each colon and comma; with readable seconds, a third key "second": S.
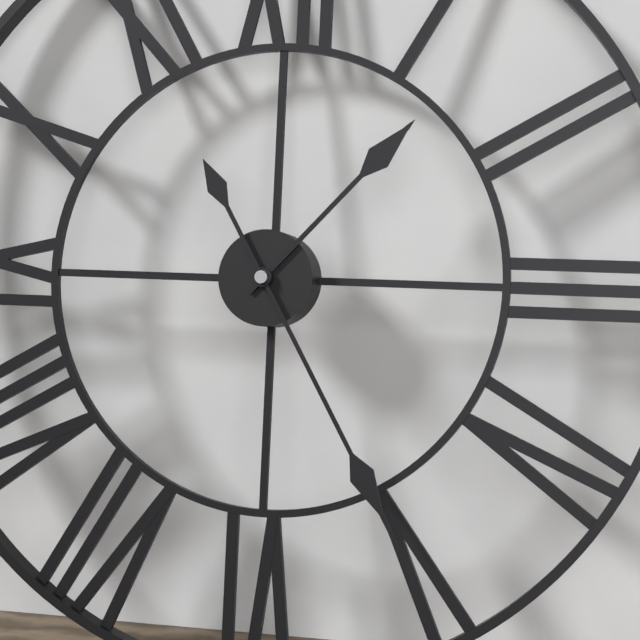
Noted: {"hour": 1, "minute": 25}
